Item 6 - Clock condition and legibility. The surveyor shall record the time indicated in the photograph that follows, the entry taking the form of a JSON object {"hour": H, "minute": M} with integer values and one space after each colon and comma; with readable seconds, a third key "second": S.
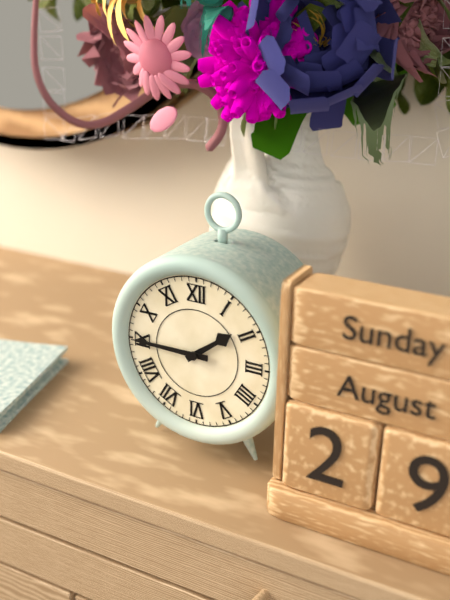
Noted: {"hour": 1, "minute": 45}
